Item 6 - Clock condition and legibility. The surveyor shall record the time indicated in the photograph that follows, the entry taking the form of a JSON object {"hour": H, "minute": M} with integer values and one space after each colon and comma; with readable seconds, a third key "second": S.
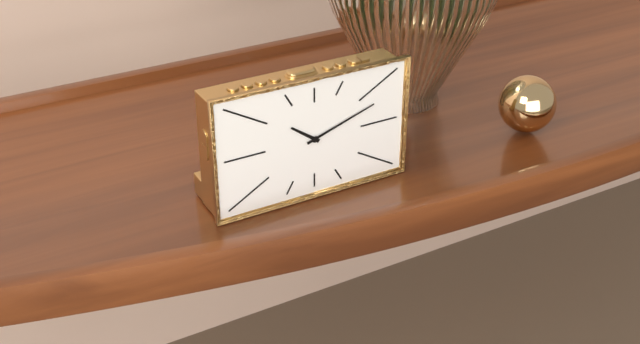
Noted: {"hour": 10, "minute": 12}
